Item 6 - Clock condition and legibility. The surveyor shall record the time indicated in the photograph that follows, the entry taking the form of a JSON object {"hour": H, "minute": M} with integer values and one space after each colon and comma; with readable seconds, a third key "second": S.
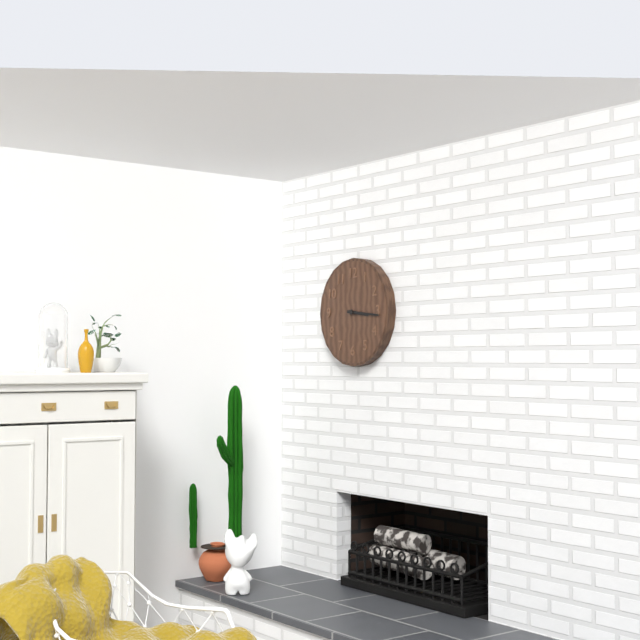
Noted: {"hour": 3, "minute": 16}
